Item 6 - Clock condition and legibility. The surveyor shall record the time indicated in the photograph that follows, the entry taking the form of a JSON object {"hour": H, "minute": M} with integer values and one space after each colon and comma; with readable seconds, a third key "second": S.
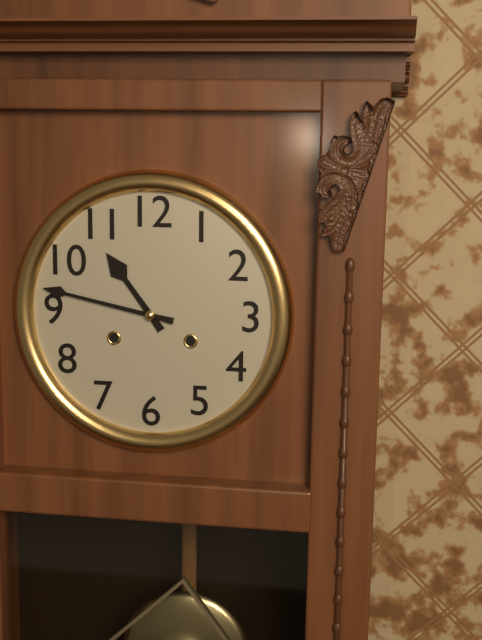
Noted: {"hour": 10, "minute": 47}
